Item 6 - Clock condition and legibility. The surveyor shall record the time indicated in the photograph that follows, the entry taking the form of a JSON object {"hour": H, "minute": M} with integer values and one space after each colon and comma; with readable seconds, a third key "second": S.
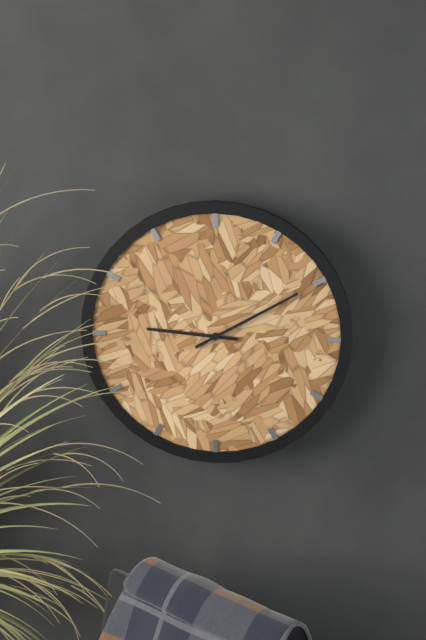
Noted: {"hour": 9, "minute": 10}
